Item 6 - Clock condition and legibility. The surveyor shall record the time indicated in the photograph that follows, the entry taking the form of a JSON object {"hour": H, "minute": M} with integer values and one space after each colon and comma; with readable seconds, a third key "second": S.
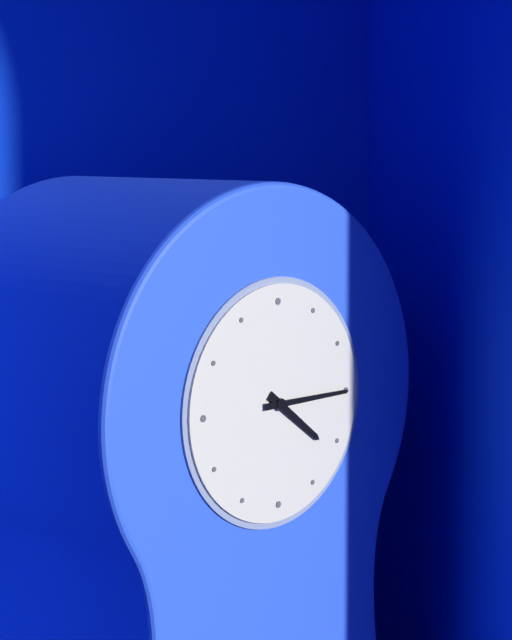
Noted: {"hour": 4, "minute": 15}
